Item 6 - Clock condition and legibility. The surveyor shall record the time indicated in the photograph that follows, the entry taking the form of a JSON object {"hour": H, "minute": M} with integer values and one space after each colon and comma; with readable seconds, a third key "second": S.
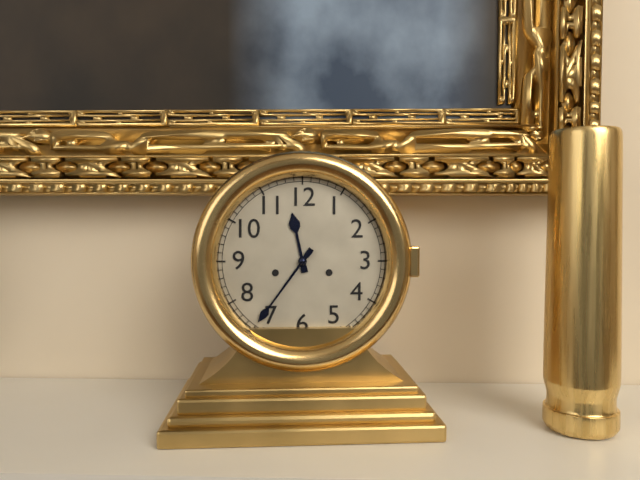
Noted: {"hour": 11, "minute": 36}
